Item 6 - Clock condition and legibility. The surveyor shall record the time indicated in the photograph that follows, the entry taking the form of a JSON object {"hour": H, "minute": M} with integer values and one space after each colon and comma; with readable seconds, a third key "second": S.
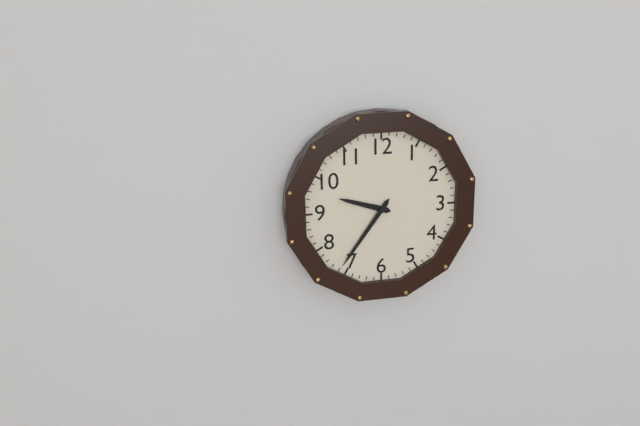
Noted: {"hour": 9, "minute": 36}
